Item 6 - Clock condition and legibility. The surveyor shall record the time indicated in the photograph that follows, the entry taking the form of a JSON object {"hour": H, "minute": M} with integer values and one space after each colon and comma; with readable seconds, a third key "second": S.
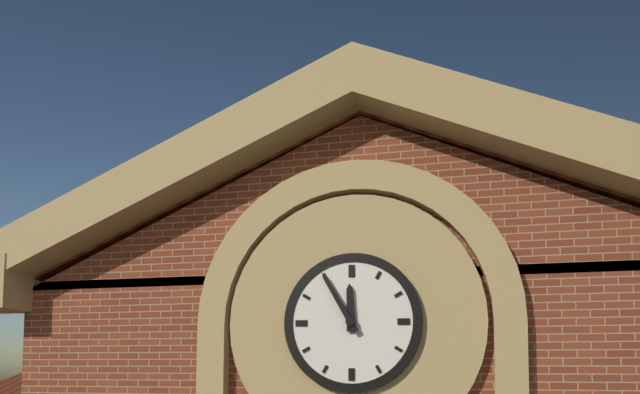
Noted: {"hour": 11, "minute": 55}
